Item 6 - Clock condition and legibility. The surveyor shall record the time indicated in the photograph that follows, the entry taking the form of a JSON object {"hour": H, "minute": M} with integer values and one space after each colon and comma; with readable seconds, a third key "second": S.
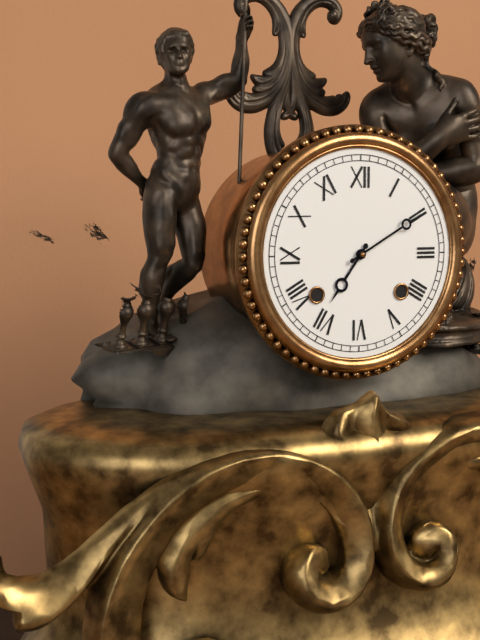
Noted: {"hour": 7, "minute": 10}
